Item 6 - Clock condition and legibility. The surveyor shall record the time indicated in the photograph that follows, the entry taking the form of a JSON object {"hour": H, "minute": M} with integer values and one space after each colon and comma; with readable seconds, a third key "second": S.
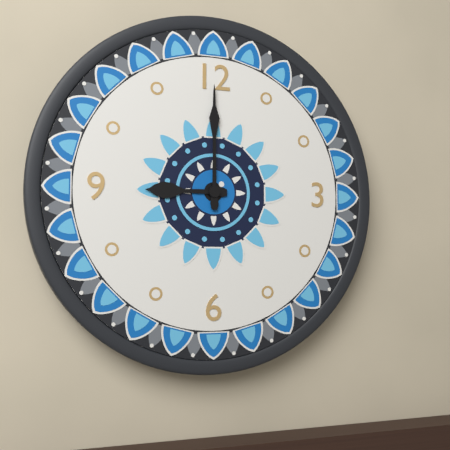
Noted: {"hour": 9, "minute": 0}
